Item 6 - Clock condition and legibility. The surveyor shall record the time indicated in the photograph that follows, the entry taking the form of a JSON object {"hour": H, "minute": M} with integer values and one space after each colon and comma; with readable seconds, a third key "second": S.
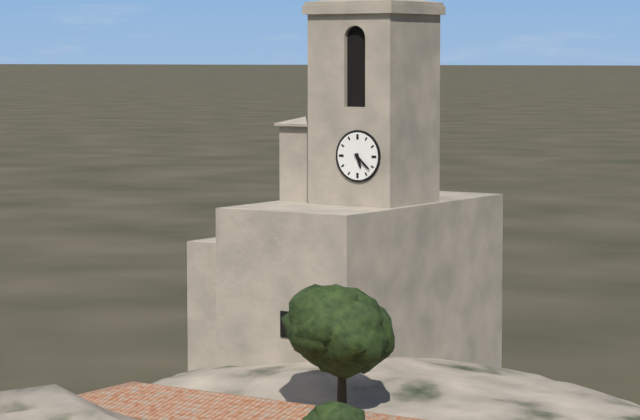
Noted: {"hour": 5, "minute": 22}
